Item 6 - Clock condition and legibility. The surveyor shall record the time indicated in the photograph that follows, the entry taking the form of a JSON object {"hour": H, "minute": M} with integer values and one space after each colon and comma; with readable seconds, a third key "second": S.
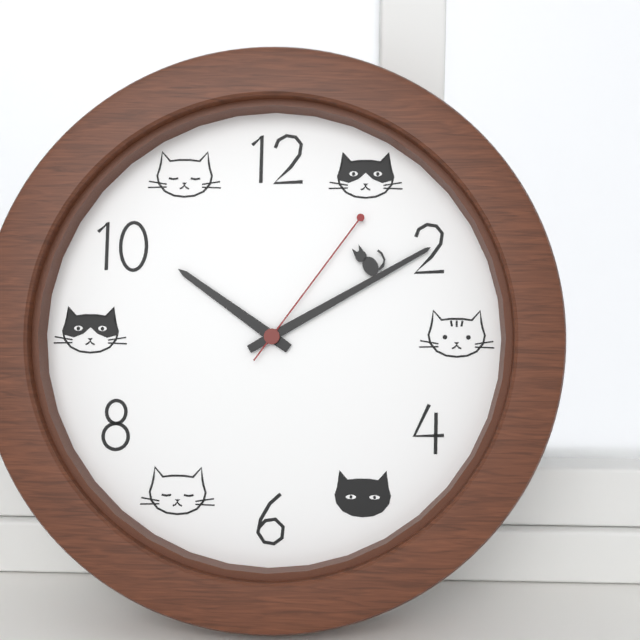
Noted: {"hour": 10, "minute": 10, "second": 6}
